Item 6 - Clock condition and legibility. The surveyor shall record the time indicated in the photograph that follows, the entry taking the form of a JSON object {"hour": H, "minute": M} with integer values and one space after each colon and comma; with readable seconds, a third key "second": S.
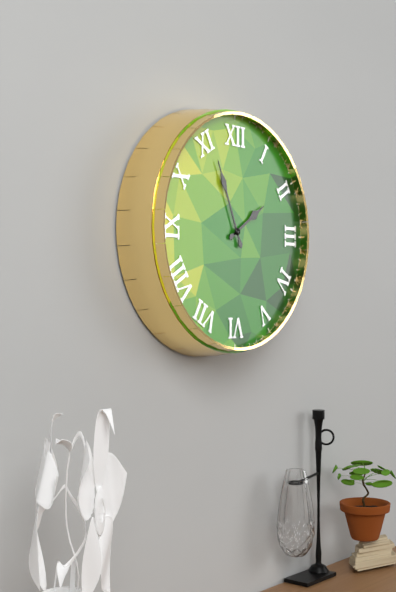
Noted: {"hour": 1, "minute": 56}
